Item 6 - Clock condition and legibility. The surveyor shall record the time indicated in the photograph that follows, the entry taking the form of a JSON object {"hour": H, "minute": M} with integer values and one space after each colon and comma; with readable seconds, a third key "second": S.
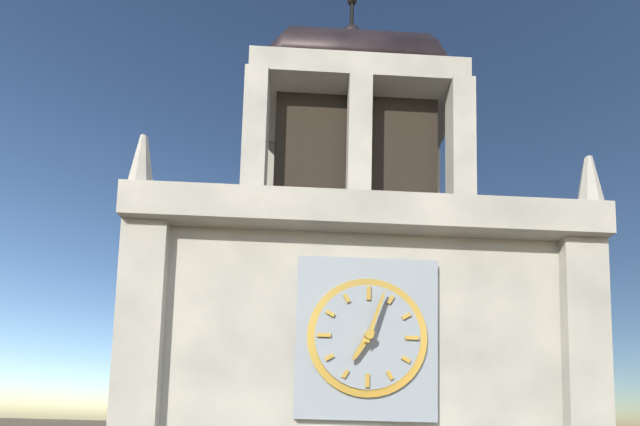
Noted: {"hour": 7, "minute": 3}
